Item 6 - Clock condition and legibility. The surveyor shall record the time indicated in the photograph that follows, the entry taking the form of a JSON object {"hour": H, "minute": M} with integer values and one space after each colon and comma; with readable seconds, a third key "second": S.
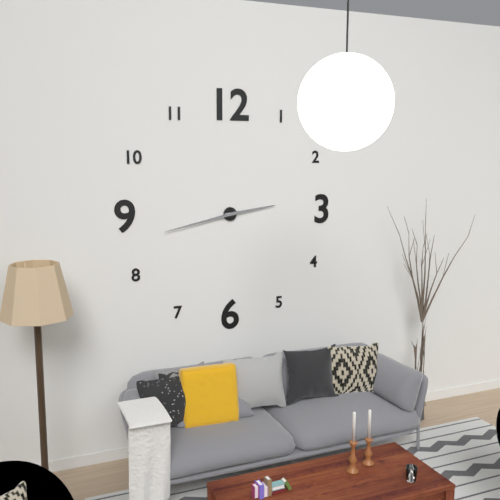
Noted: {"hour": 2, "minute": 43}
